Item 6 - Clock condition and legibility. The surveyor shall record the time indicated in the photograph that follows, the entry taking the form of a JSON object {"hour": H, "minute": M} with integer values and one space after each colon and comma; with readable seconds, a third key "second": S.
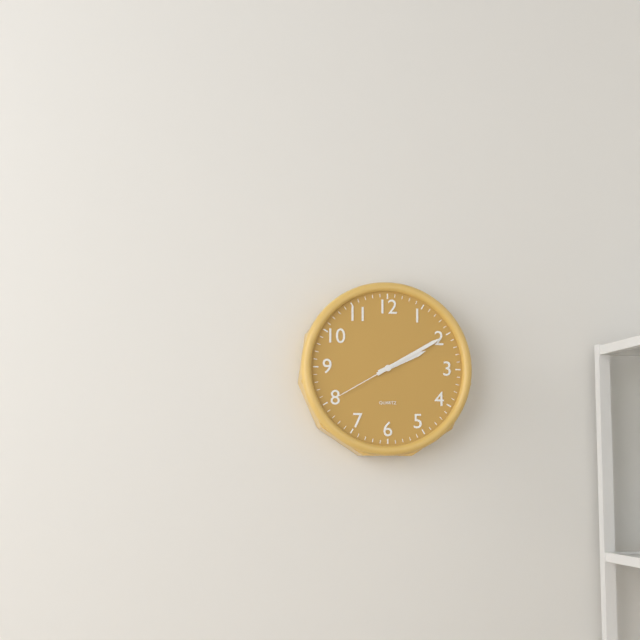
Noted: {"hour": 2, "minute": 10, "second": 40}
